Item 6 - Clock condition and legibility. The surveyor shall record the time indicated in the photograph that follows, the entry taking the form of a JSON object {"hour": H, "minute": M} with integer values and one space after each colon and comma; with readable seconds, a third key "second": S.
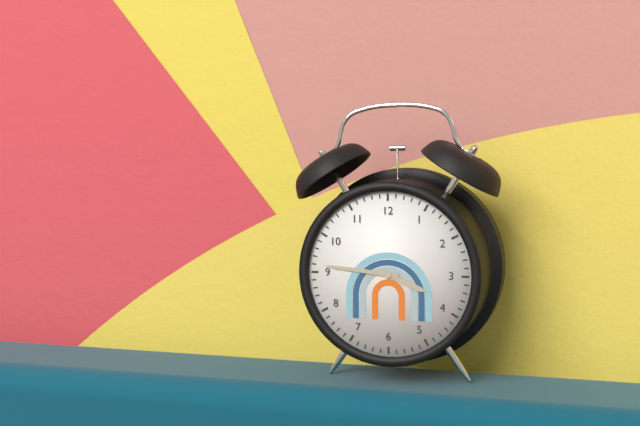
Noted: {"hour": 3, "minute": 46}
